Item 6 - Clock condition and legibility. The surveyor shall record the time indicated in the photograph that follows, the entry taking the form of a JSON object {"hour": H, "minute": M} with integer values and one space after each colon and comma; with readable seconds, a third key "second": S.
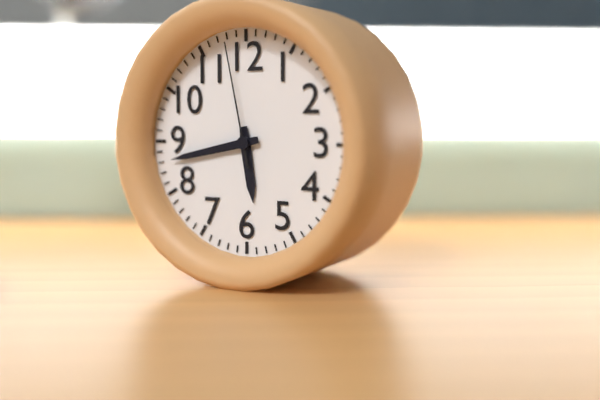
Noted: {"hour": 5, "minute": 43, "second": 58}
